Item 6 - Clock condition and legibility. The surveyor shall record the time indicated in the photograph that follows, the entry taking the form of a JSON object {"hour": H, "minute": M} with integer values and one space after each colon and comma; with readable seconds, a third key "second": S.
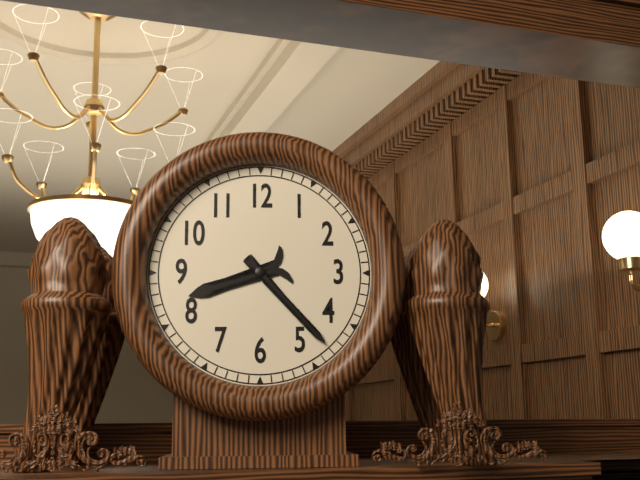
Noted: {"hour": 8, "minute": 23}
